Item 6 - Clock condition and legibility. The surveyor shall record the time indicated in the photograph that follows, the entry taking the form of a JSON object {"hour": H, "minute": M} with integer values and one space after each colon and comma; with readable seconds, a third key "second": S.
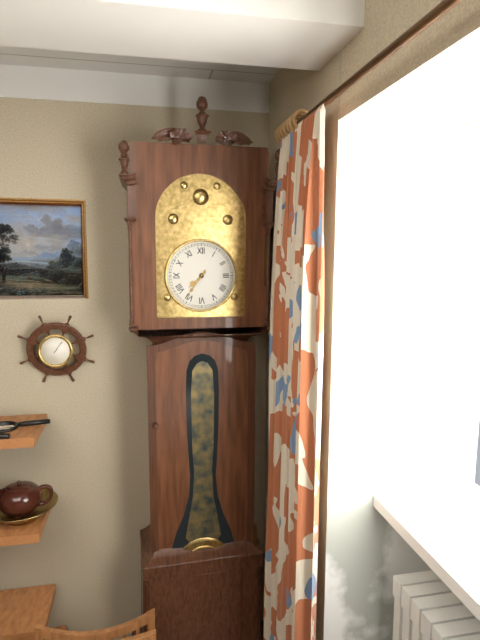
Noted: {"hour": 7, "minute": 36}
